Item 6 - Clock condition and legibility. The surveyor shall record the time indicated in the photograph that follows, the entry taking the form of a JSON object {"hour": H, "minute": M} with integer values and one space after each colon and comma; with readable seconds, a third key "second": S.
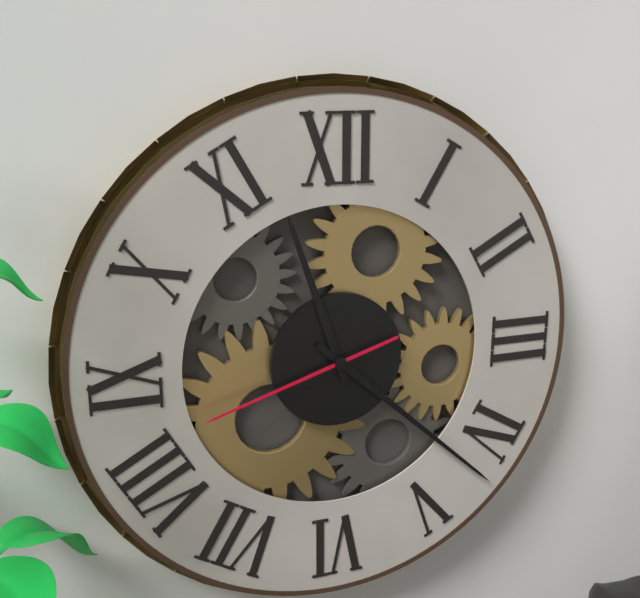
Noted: {"hour": 11, "minute": 22, "second": 42}
